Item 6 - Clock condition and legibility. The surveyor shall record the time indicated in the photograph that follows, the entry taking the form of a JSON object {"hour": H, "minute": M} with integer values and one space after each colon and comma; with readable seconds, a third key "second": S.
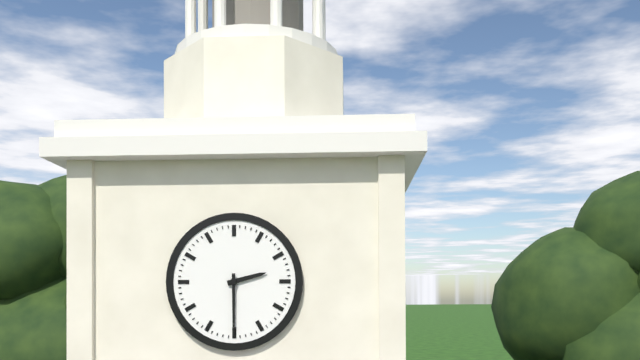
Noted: {"hour": 2, "minute": 30}
